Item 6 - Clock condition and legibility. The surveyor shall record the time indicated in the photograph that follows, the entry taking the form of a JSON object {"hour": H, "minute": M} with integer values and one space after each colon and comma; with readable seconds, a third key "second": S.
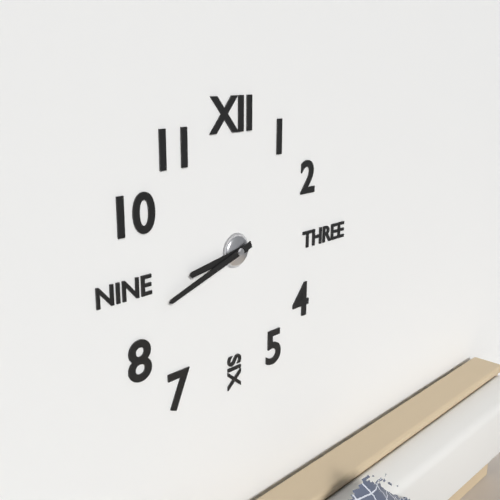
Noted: {"hour": 8, "minute": 42}
